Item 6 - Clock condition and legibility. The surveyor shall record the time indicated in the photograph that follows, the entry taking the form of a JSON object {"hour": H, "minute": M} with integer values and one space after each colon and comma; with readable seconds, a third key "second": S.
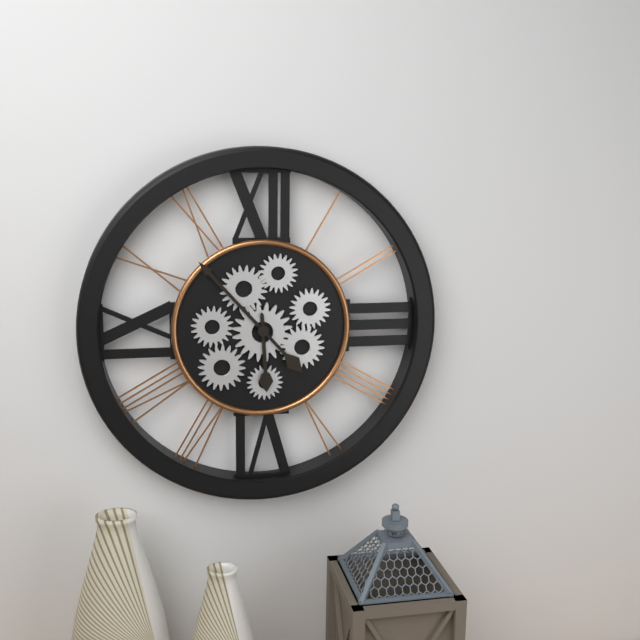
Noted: {"hour": 5, "minute": 53}
